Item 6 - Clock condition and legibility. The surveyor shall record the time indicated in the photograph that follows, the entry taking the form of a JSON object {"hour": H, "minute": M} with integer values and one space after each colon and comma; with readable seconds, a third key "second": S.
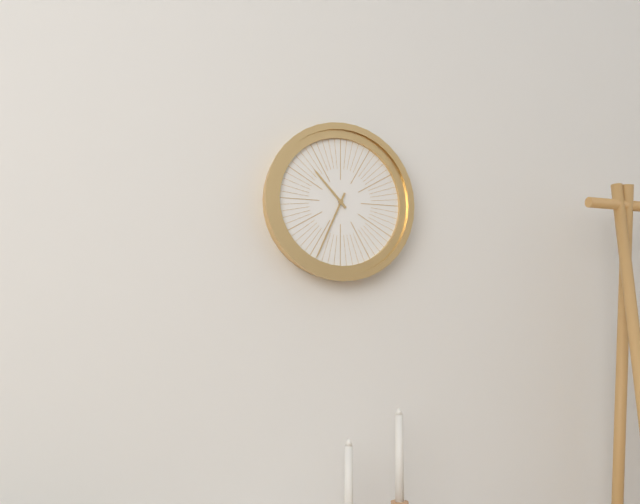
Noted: {"hour": 10, "minute": 34}
